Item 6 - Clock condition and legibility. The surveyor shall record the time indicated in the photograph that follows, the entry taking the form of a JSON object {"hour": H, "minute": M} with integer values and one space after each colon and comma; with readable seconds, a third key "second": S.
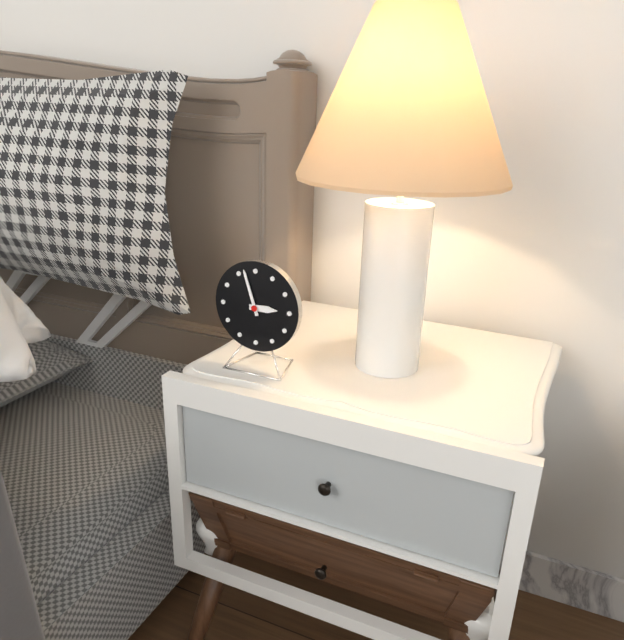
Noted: {"hour": 2, "minute": 57}
